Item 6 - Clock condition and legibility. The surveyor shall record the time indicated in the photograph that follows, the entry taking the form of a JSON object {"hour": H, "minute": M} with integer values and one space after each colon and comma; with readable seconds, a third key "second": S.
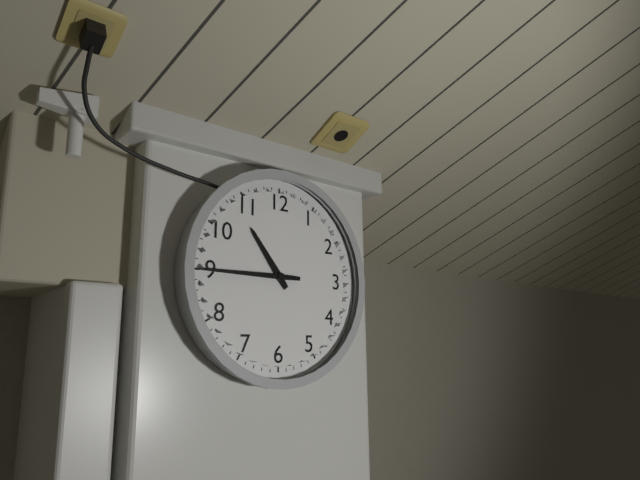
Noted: {"hour": 10, "minute": 45}
